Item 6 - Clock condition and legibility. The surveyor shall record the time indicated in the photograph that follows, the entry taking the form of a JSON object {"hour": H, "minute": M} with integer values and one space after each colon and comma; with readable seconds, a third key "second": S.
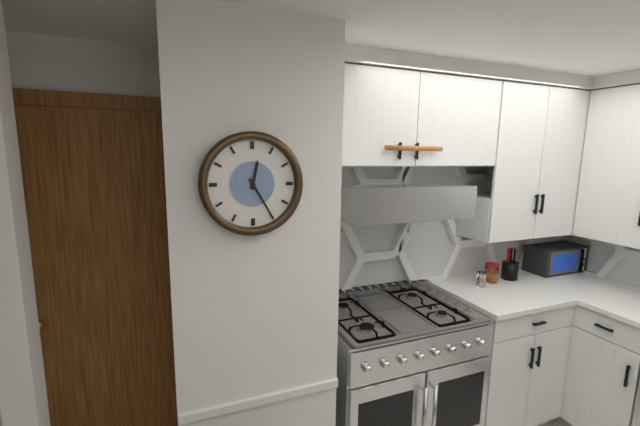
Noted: {"hour": 12, "minute": 25}
